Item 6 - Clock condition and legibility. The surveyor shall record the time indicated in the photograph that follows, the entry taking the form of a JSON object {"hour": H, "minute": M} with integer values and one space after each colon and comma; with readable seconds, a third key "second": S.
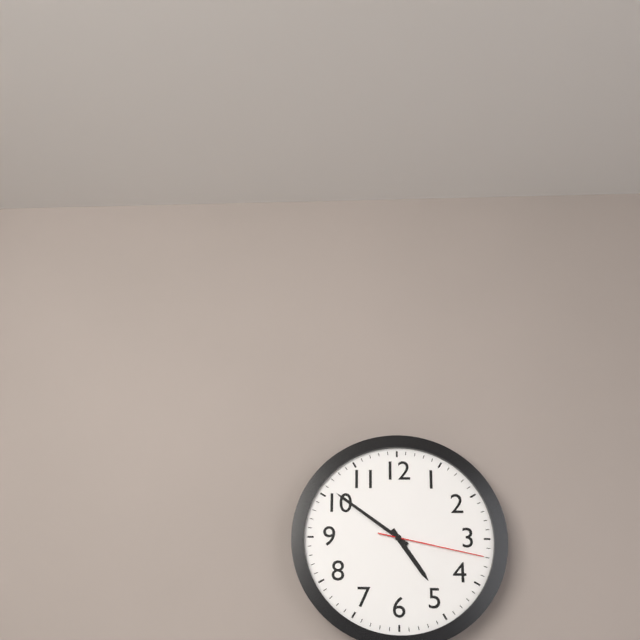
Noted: {"hour": 4, "minute": 51, "second": 17}
